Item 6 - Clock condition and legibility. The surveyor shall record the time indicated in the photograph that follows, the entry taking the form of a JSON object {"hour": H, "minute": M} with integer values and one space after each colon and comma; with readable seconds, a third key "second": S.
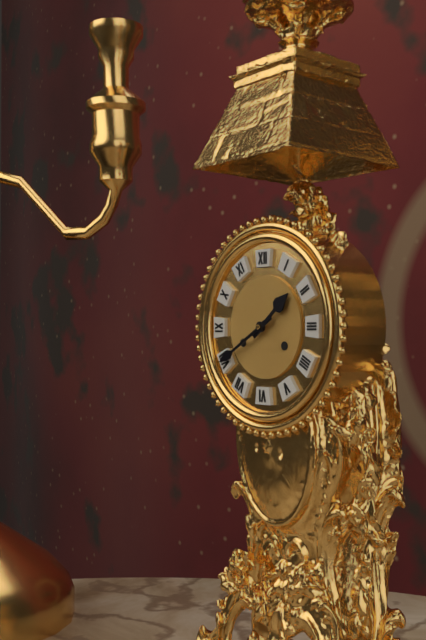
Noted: {"hour": 1, "minute": 40}
